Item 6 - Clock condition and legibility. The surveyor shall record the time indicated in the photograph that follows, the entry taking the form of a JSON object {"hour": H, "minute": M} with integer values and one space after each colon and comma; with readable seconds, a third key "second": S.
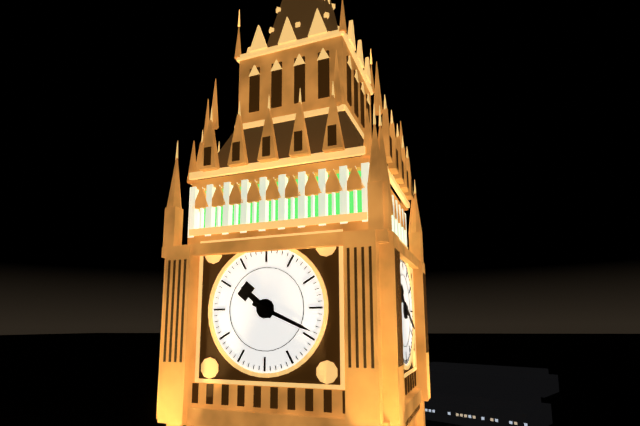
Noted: {"hour": 10, "minute": 19}
